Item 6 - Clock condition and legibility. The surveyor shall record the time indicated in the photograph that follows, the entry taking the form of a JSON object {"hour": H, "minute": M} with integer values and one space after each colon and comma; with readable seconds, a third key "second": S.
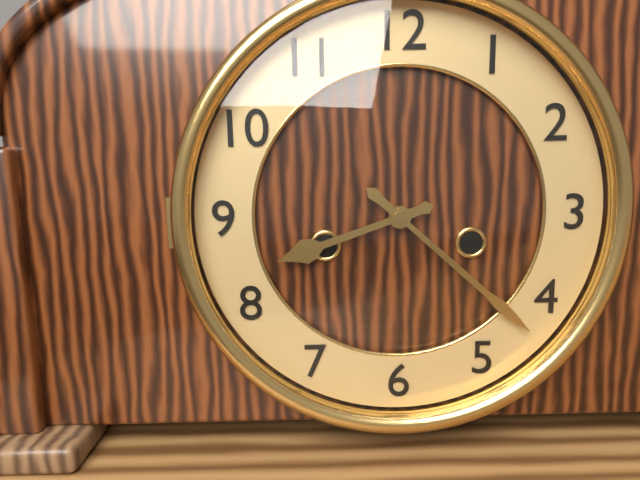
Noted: {"hour": 8, "minute": 22}
